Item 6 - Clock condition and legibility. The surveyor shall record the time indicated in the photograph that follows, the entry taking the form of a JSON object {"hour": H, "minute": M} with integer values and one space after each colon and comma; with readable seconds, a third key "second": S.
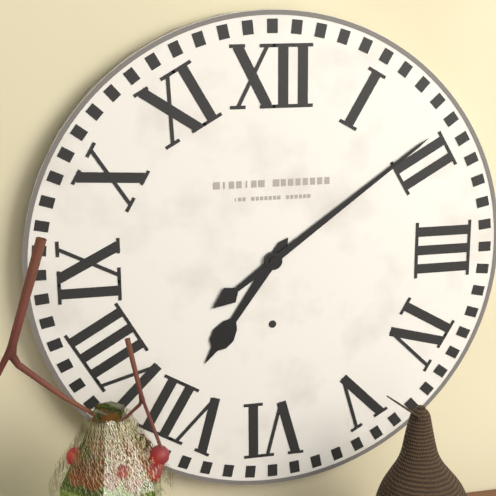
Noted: {"hour": 7, "minute": 9}
